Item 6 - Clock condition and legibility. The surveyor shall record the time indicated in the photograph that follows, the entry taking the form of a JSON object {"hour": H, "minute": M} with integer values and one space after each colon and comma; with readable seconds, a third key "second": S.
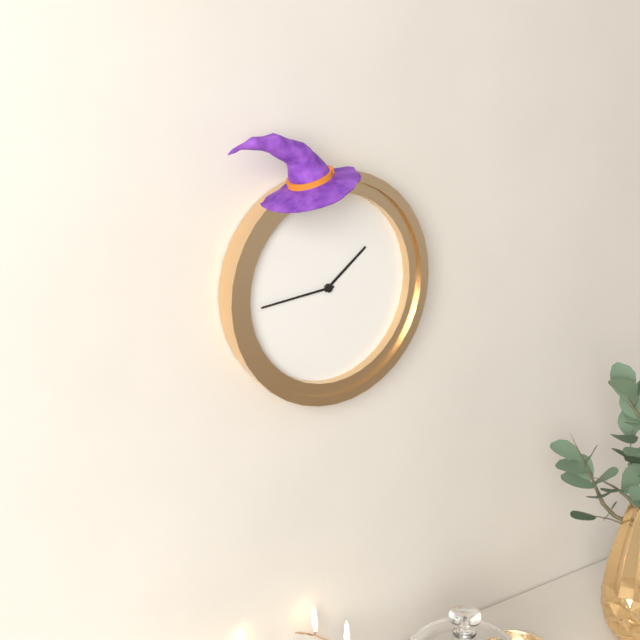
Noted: {"hour": 1, "minute": 44}
